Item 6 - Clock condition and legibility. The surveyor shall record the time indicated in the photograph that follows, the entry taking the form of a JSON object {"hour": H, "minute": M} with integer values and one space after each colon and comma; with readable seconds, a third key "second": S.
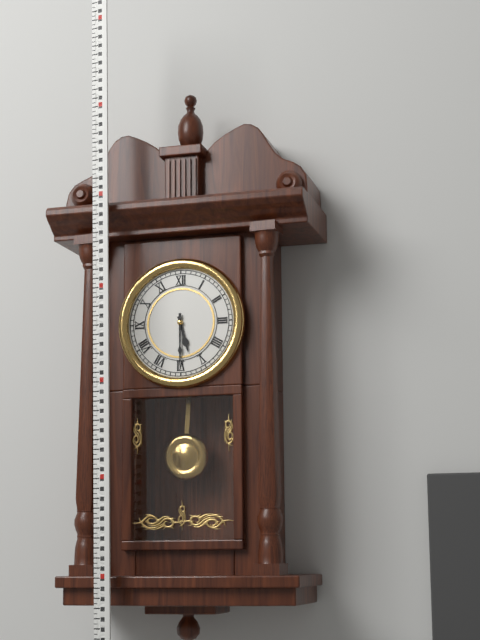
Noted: {"hour": 5, "minute": 30}
